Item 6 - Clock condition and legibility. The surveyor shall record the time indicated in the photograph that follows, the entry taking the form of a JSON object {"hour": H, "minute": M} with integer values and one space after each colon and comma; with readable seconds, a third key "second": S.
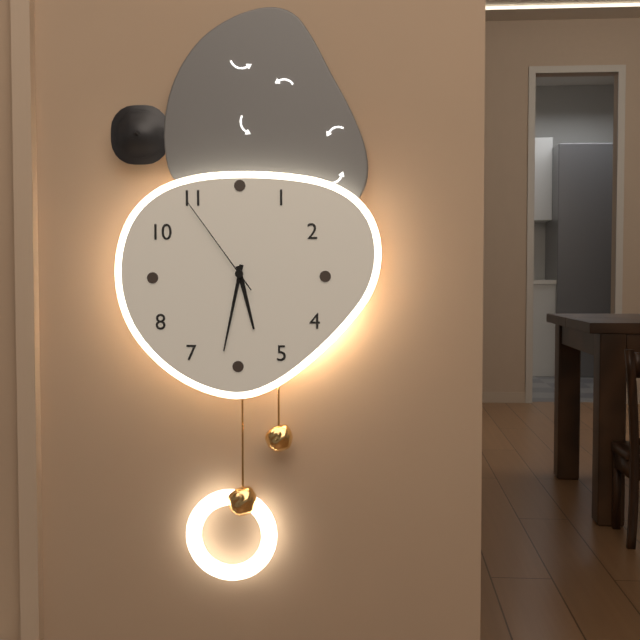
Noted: {"hour": 5, "minute": 32, "second": 54}
